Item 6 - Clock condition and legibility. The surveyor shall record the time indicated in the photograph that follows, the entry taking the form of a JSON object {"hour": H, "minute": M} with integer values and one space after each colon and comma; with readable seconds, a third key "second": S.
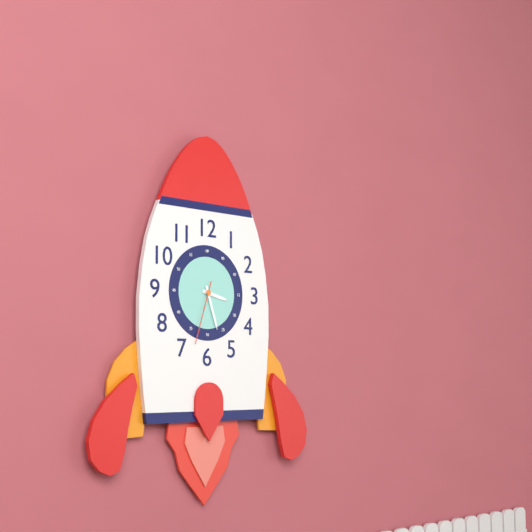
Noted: {"hour": 3, "minute": 27, "second": 33}
